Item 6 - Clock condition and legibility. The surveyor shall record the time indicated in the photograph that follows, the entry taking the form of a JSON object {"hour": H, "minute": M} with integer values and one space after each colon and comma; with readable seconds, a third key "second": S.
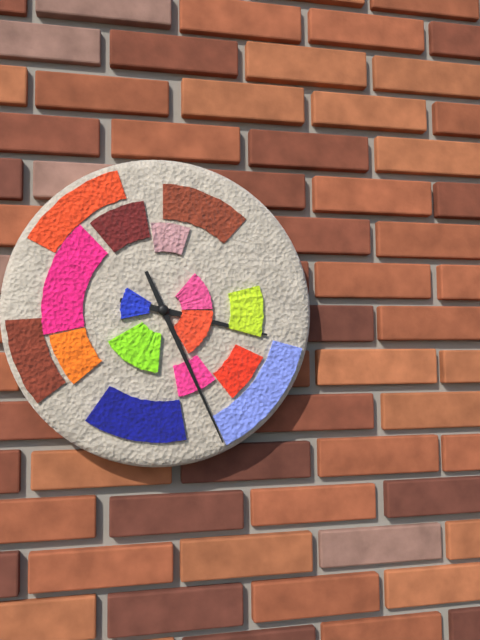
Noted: {"hour": 3, "minute": 26}
